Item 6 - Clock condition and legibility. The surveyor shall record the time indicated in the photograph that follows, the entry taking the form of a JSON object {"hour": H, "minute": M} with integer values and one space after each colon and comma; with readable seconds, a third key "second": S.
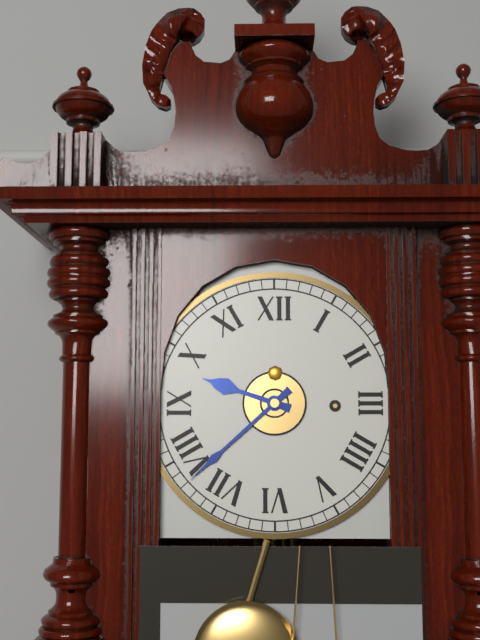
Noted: {"hour": 9, "minute": 38}
